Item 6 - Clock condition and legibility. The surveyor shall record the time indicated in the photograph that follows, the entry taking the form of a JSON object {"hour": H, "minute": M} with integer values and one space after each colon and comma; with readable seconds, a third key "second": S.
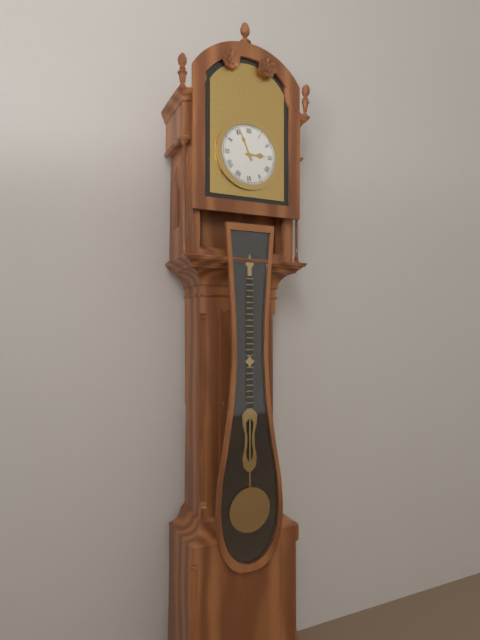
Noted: {"hour": 2, "minute": 56}
